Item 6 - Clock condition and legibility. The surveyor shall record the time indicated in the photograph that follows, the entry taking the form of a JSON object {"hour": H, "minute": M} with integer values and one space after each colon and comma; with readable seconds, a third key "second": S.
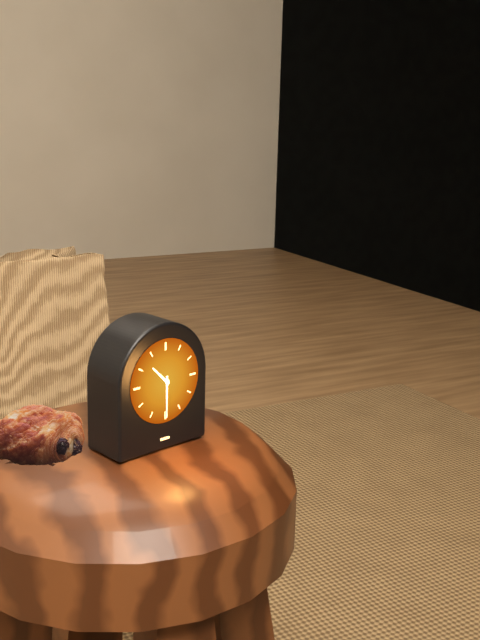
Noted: {"hour": 10, "minute": 30}
